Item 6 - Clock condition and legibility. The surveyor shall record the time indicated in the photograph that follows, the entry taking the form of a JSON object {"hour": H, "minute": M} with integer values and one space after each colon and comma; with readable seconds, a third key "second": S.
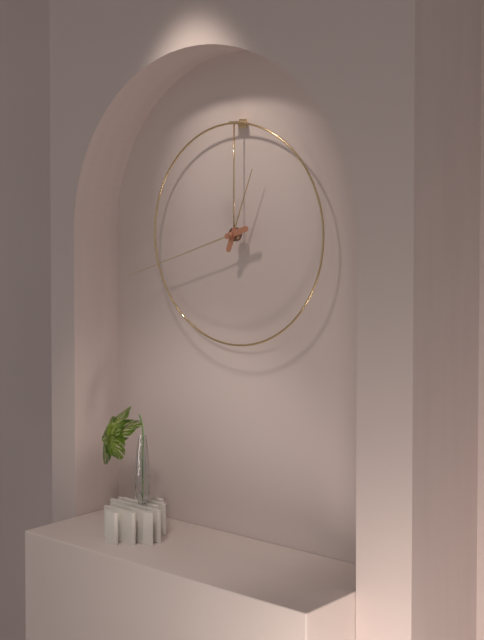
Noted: {"hour": 12, "minute": 42}
